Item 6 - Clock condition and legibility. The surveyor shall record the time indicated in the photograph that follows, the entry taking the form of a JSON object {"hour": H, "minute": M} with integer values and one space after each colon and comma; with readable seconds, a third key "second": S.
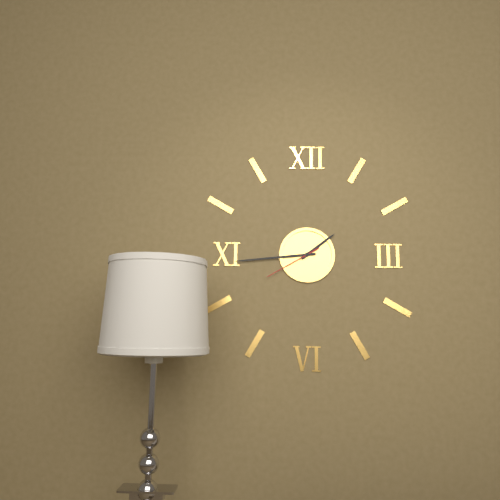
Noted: {"hour": 1, "minute": 44, "second": 40}
